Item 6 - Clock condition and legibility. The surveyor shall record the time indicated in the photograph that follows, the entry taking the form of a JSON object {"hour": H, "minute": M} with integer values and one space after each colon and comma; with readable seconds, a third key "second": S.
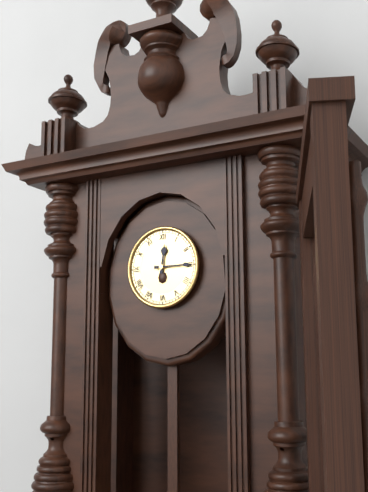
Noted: {"hour": 12, "minute": 15}
